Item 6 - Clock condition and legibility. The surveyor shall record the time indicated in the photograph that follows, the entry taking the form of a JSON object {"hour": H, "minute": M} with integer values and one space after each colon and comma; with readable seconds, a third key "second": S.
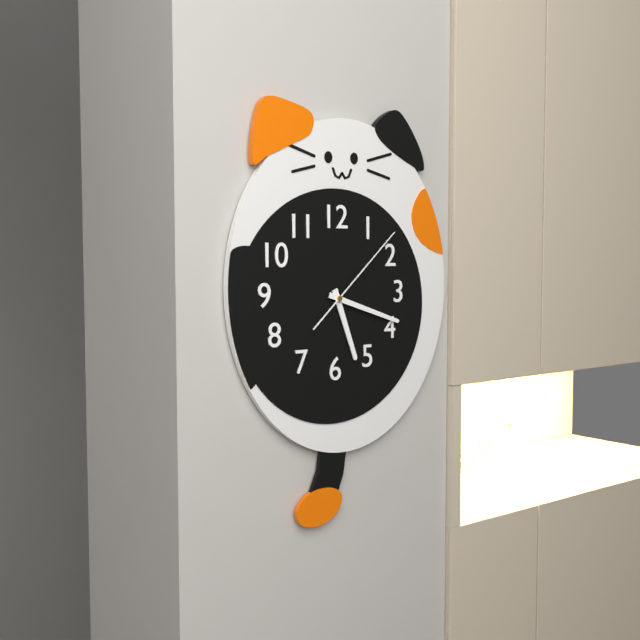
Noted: {"hour": 5, "minute": 18, "second": 8}
